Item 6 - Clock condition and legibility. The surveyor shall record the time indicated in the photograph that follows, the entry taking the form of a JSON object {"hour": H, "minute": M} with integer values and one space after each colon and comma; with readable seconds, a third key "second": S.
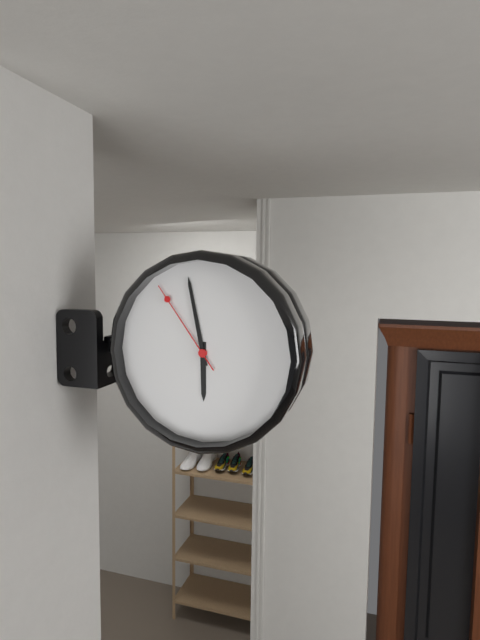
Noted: {"hour": 5, "minute": 58, "second": 54}
